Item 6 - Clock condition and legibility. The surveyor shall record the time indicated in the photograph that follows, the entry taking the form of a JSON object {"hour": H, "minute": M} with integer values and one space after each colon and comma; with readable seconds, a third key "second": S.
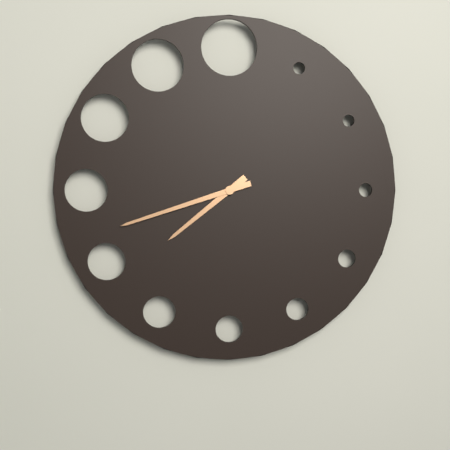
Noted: {"hour": 7, "minute": 42}
